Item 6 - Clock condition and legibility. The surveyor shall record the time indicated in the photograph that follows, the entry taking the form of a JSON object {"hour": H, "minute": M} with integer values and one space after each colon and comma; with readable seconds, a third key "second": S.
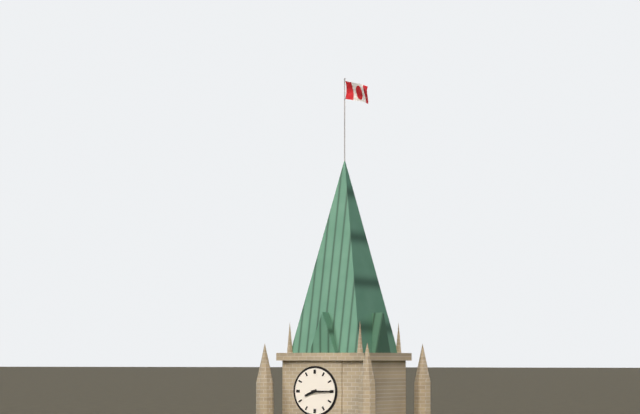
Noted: {"hour": 8, "minute": 15}
